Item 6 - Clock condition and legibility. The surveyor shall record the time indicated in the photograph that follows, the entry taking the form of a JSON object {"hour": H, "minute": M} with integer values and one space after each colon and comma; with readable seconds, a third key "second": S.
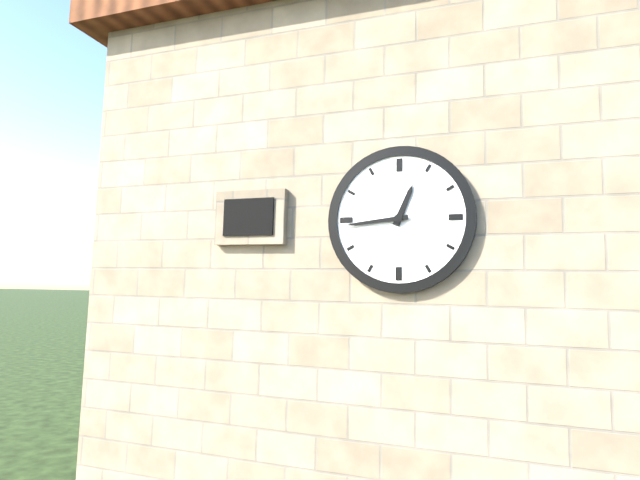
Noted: {"hour": 12, "minute": 44}
